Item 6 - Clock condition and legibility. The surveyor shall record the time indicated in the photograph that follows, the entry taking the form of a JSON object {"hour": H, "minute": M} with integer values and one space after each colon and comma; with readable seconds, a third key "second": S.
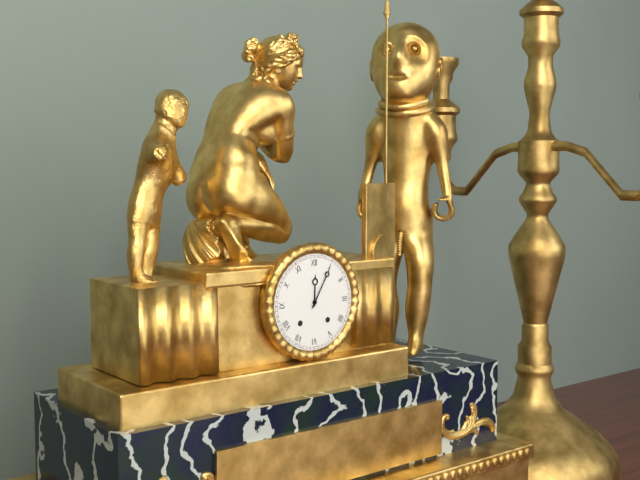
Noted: {"hour": 12, "minute": 5}
